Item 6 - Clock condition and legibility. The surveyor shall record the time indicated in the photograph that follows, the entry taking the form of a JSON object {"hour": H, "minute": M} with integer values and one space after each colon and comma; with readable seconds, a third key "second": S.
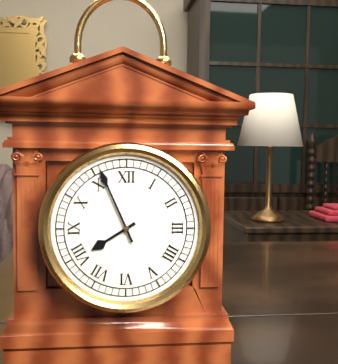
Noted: {"hour": 7, "minute": 56}
